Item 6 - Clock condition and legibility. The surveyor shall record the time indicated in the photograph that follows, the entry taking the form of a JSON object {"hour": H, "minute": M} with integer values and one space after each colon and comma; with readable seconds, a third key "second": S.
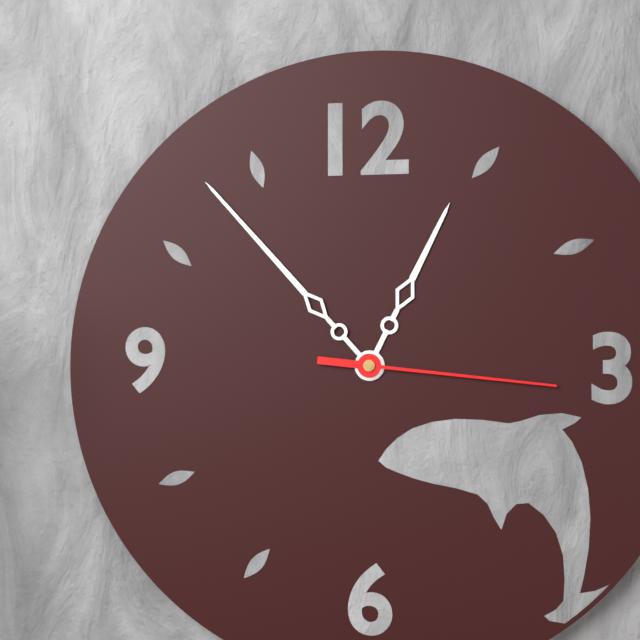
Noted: {"hour": 12, "minute": 53, "second": 16}
